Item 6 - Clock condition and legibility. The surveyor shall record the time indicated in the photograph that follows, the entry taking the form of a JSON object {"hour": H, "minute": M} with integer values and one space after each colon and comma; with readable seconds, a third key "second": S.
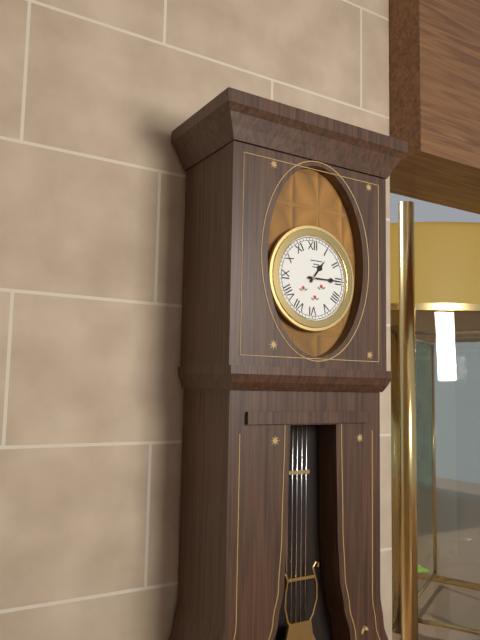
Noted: {"hour": 1, "minute": 15}
